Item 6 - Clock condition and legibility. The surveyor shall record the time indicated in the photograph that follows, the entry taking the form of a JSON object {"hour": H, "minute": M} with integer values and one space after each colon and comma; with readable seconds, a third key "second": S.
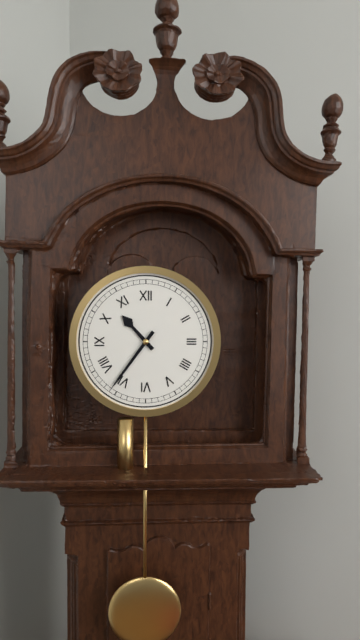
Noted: {"hour": 10, "minute": 36}
